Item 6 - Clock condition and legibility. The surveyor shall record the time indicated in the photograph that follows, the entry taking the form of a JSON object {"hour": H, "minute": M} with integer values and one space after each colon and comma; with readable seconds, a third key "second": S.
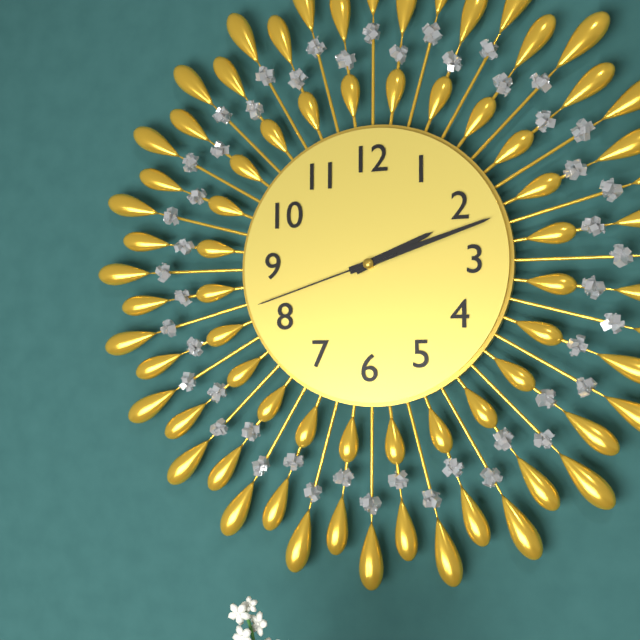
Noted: {"hour": 2, "minute": 12, "second": 42}
